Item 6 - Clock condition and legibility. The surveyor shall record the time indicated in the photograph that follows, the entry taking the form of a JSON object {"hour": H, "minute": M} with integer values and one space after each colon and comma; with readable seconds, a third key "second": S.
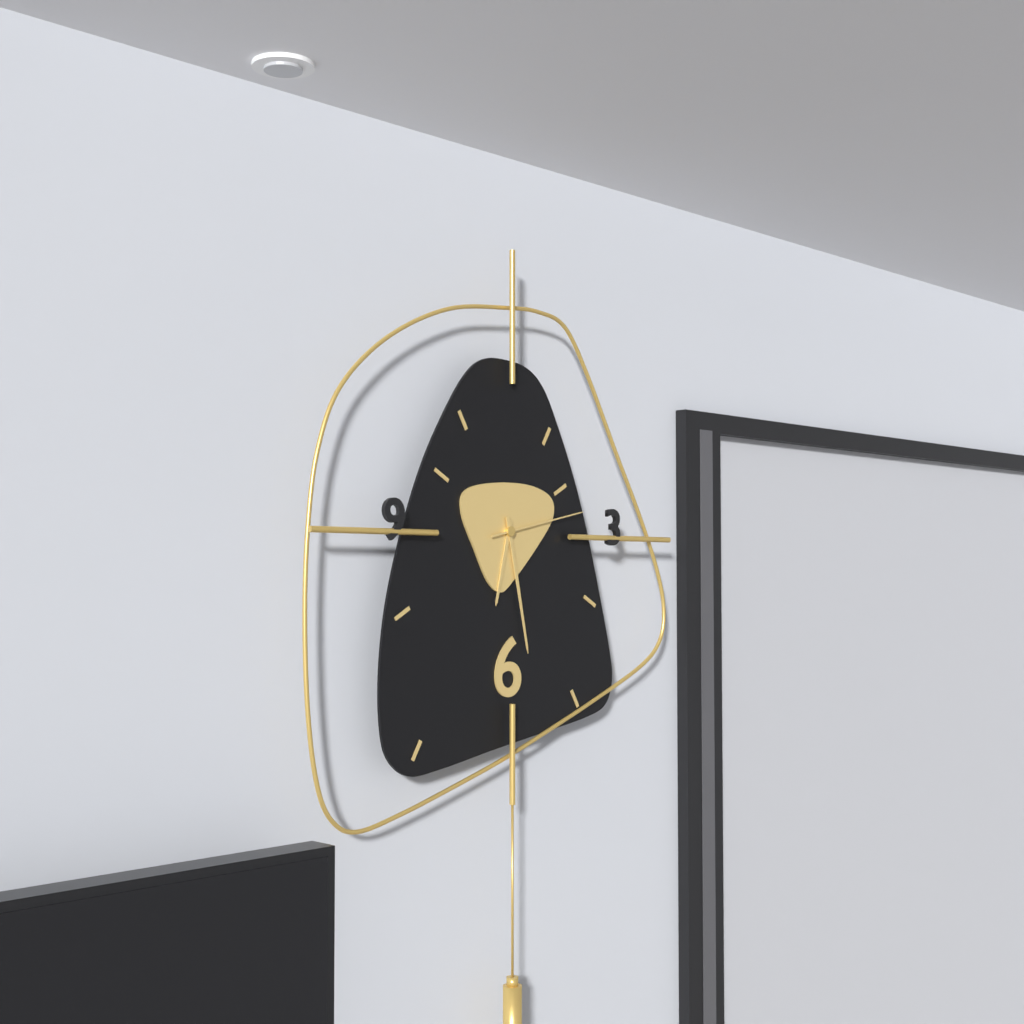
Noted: {"hour": 6, "minute": 28, "second": 13}
